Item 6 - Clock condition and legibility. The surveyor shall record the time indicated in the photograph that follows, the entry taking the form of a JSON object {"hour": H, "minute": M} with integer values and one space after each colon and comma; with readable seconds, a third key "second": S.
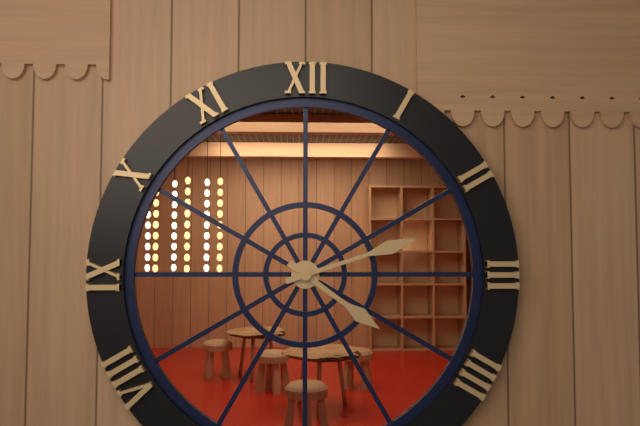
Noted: {"hour": 4, "minute": 12}
